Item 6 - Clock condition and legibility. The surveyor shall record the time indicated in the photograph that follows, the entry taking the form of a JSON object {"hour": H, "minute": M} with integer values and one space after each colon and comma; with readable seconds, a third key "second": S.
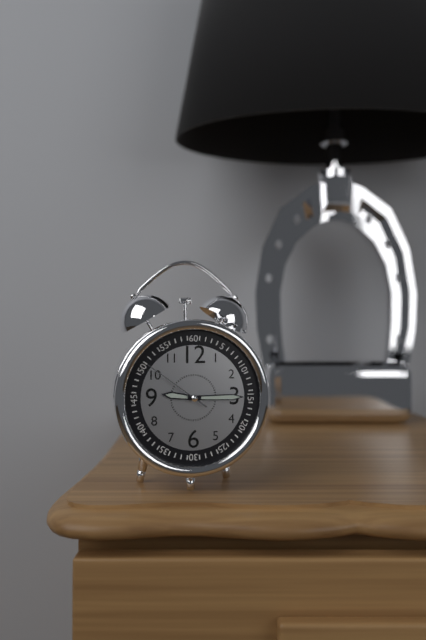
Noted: {"hour": 9, "minute": 15, "second": 51}
